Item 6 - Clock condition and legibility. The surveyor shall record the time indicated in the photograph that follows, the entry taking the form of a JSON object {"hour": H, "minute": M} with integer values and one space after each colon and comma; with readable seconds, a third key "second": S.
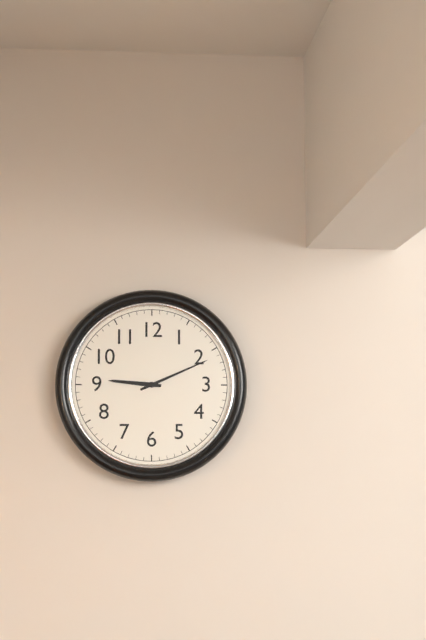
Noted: {"hour": 9, "minute": 11}
